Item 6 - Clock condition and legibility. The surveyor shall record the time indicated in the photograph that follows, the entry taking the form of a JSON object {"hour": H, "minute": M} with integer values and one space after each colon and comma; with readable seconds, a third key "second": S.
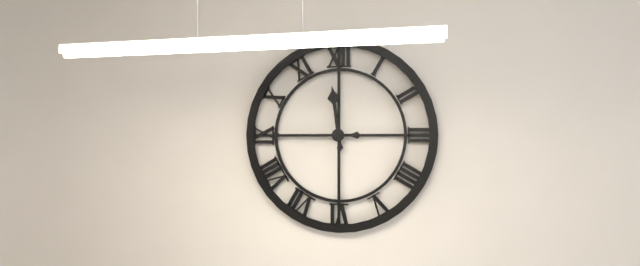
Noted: {"hour": 11, "minute": 45}
